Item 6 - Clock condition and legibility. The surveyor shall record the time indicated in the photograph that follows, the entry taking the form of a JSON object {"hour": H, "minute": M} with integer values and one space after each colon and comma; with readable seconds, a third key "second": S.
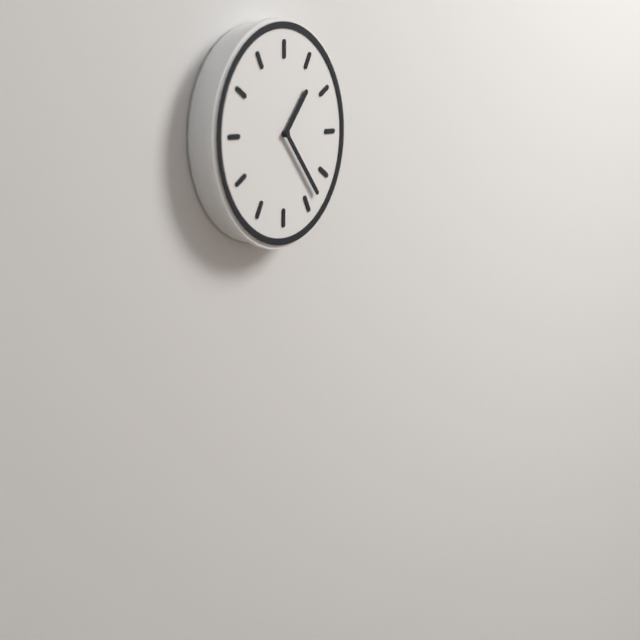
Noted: {"hour": 1, "minute": 23}
